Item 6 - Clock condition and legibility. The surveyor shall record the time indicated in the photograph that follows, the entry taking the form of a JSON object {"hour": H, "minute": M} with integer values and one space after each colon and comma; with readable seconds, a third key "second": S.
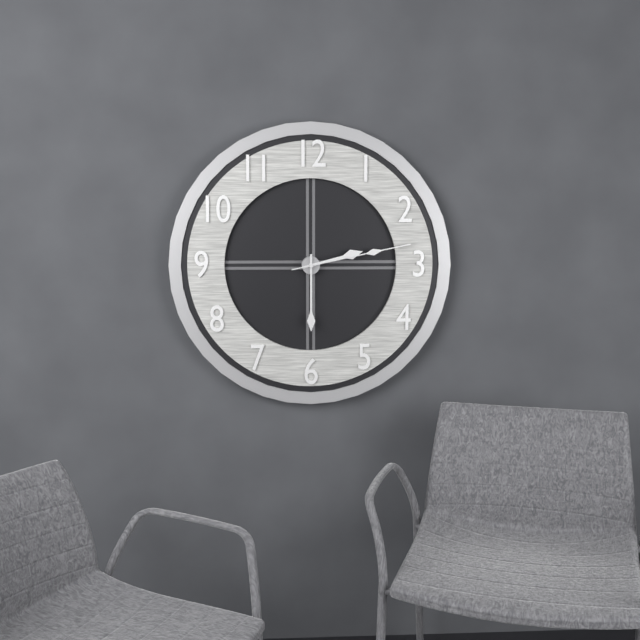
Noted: {"hour": 2, "minute": 30, "second": 13}
